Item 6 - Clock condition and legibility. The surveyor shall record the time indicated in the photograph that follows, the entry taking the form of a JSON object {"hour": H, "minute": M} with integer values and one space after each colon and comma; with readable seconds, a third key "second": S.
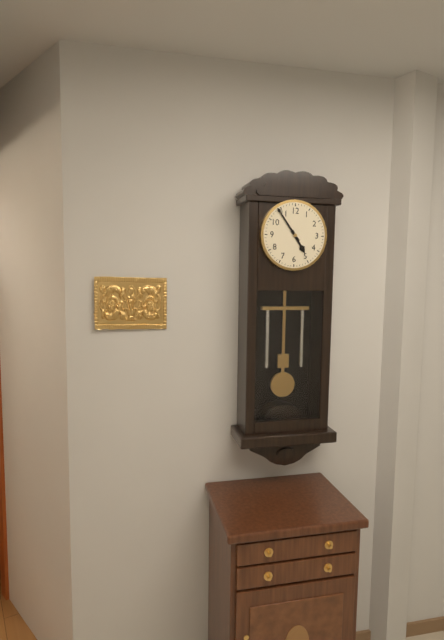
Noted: {"hour": 4, "minute": 54}
